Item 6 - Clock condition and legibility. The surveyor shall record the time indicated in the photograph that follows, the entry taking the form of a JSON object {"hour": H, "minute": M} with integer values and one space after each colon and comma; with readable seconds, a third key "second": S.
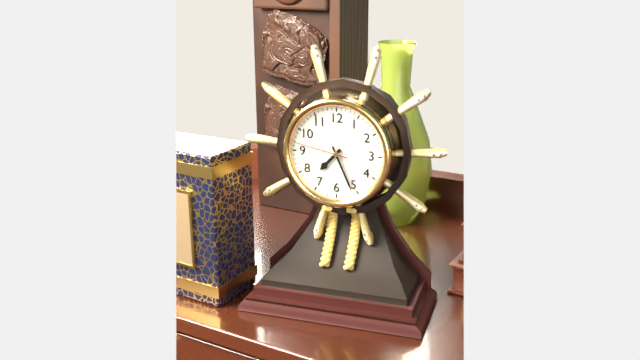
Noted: {"hour": 7, "minute": 26, "second": 47}
